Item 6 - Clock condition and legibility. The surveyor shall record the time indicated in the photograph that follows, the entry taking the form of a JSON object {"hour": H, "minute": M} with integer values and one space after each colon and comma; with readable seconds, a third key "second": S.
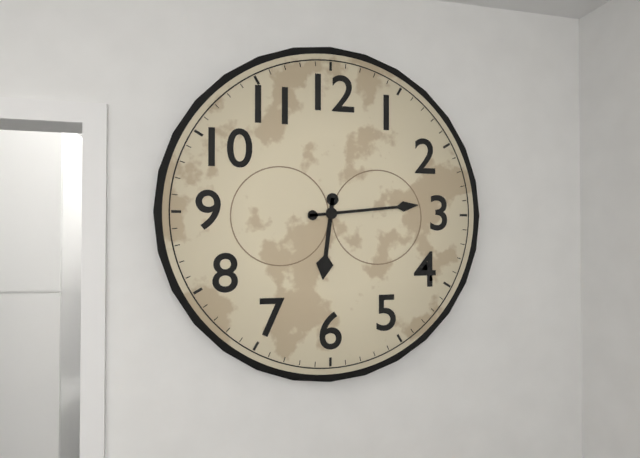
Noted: {"hour": 6, "minute": 14}
